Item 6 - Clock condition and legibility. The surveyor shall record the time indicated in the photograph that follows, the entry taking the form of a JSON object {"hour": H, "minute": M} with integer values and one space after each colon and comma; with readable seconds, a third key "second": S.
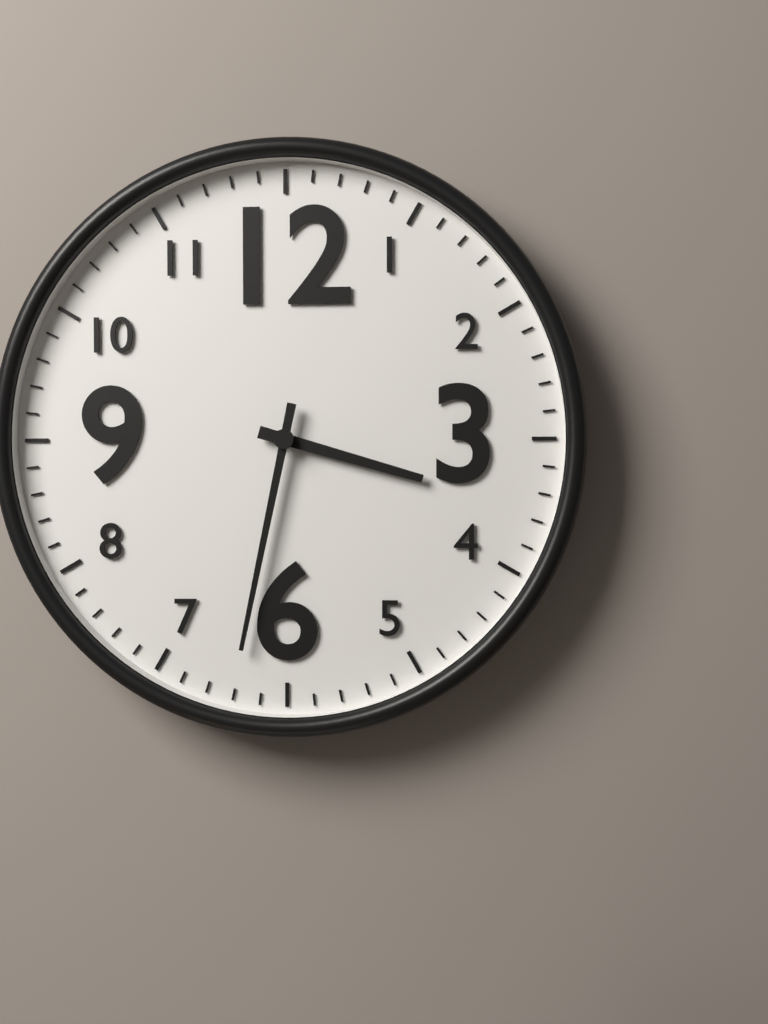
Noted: {"hour": 3, "minute": 32}
